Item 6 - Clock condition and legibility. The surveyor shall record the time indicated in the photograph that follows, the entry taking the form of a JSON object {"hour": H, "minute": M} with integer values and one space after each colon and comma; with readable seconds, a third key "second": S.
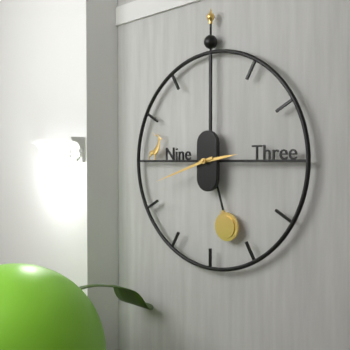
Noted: {"hour": 2, "minute": 42}
